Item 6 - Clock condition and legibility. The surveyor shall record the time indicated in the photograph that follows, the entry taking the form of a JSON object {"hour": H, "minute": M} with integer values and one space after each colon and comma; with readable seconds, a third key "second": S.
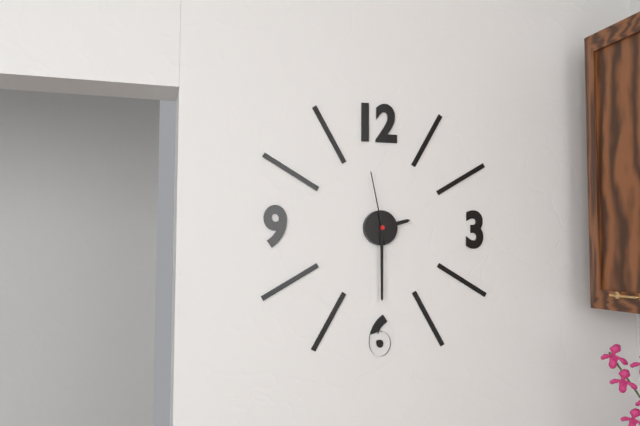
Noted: {"hour": 2, "minute": 30, "second": 58}
